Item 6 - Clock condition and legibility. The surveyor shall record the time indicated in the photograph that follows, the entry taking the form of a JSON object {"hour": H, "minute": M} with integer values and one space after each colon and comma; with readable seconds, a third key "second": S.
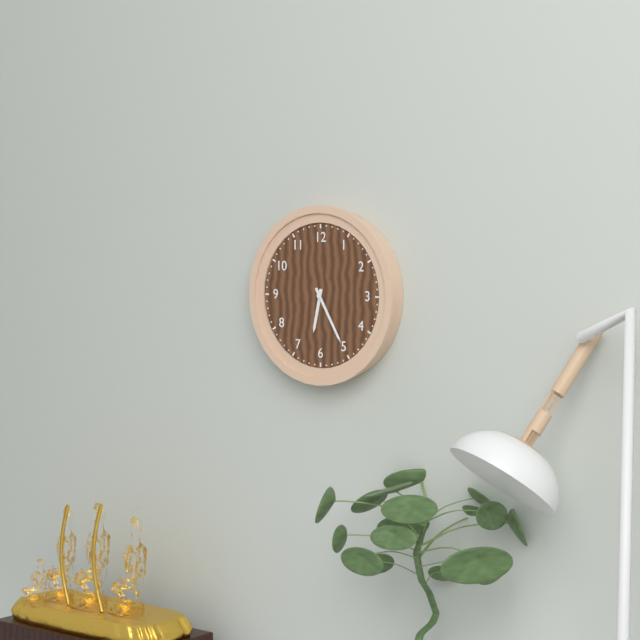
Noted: {"hour": 6, "minute": 25}
